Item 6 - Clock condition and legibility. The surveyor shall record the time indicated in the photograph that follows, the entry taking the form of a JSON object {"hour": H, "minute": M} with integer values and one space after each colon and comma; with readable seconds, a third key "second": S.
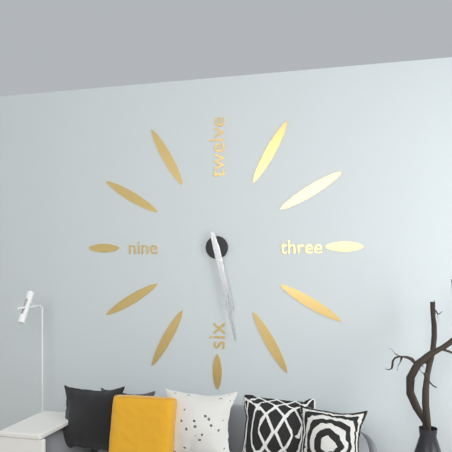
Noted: {"hour": 5, "minute": 28}
